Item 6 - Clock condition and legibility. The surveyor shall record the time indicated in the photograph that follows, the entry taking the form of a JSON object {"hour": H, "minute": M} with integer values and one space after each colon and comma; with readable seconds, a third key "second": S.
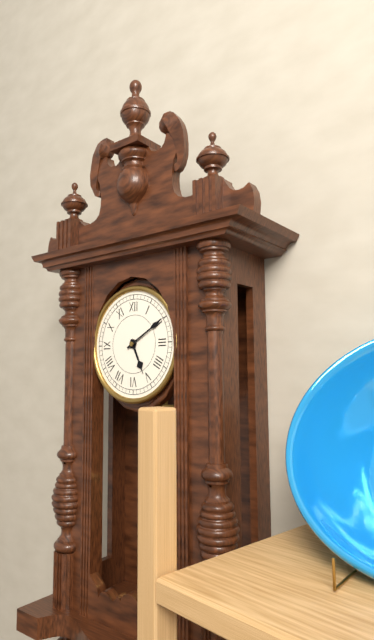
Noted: {"hour": 5, "minute": 10}
